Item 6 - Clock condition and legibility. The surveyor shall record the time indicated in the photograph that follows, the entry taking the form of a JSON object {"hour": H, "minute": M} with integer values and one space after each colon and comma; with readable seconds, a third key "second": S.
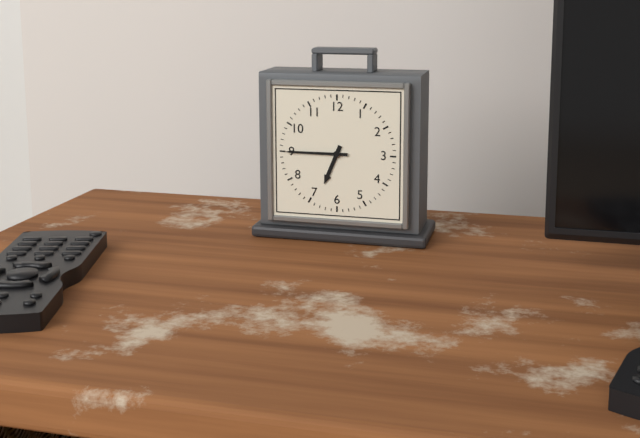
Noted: {"hour": 6, "minute": 45}
